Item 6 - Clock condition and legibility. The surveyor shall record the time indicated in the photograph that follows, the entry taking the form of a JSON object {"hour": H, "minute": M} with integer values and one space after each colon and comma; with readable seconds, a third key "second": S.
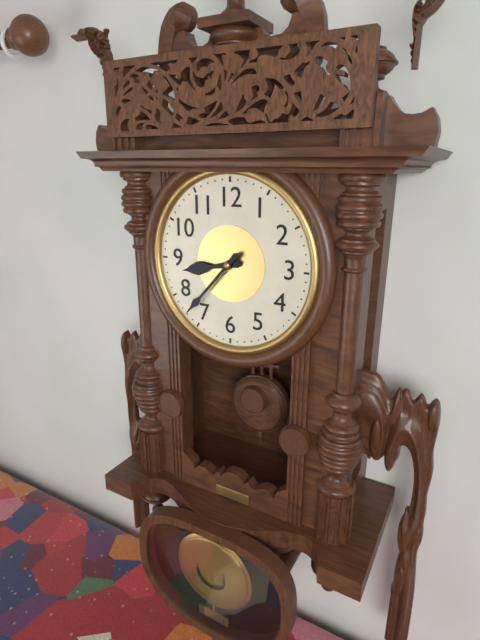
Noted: {"hour": 8, "minute": 37}
